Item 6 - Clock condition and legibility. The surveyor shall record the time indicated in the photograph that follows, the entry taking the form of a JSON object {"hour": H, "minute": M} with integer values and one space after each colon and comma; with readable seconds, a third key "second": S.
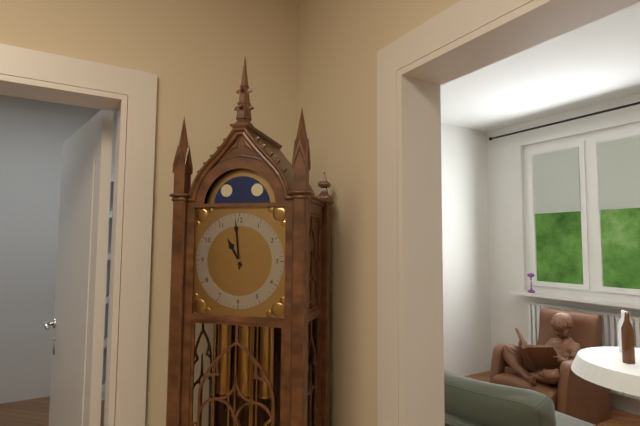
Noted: {"hour": 10, "minute": 59}
